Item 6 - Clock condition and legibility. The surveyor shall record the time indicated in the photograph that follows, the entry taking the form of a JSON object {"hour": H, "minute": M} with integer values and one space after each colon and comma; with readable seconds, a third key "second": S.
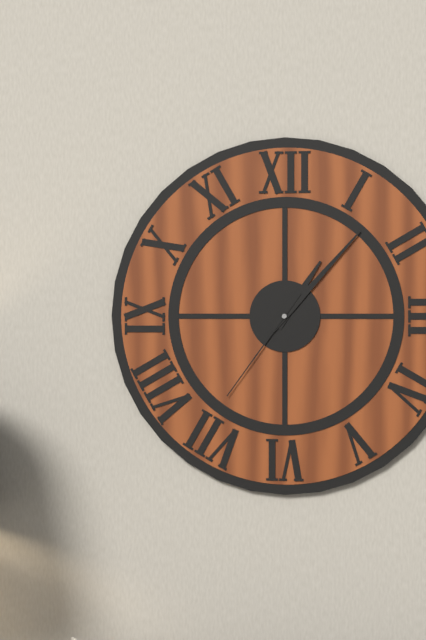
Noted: {"hour": 1, "minute": 7, "second": 36}
